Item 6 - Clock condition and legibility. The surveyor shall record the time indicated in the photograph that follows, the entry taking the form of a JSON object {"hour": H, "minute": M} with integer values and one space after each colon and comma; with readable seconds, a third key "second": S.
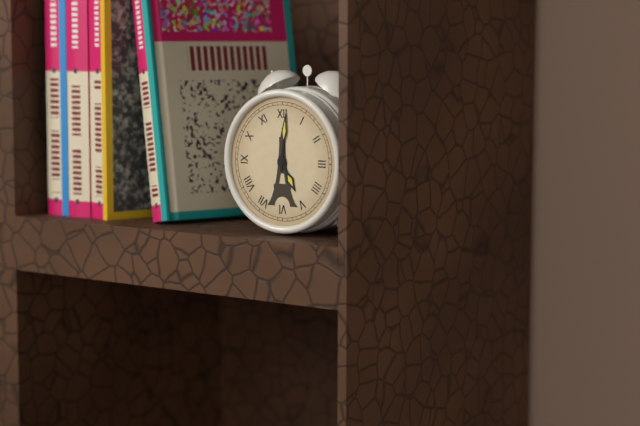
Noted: {"hour": 5, "minute": 1}
